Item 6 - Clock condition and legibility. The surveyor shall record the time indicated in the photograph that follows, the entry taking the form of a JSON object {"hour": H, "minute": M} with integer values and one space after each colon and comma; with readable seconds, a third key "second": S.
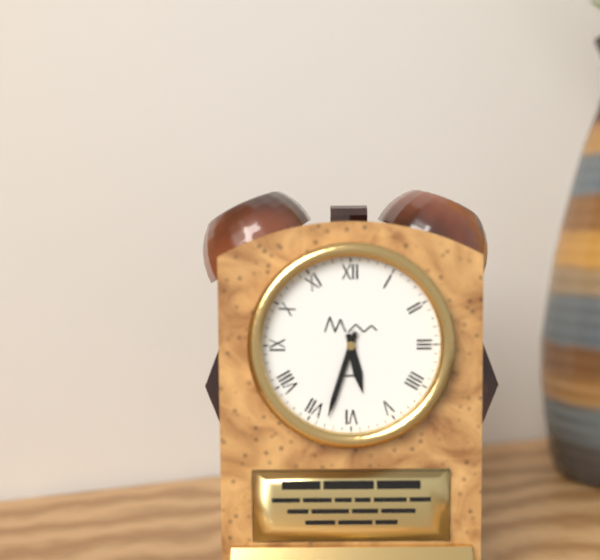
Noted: {"hour": 5, "minute": 33}
